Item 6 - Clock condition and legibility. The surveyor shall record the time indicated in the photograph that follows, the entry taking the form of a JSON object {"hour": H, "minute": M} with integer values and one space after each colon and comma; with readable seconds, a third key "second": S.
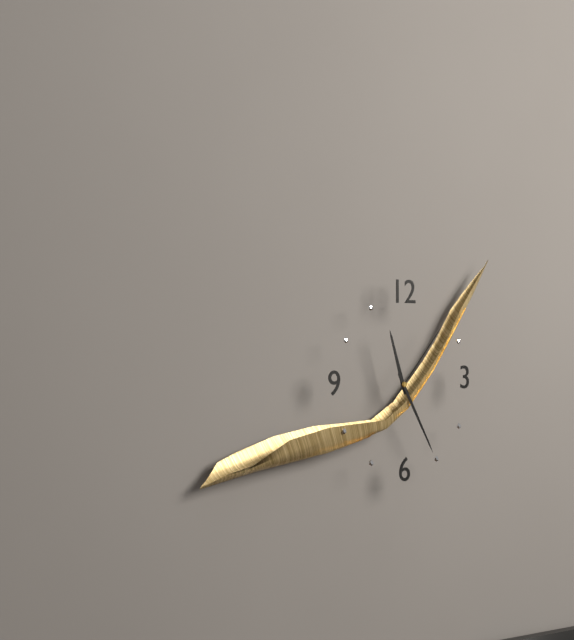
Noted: {"hour": 11, "minute": 25, "second": 7}
